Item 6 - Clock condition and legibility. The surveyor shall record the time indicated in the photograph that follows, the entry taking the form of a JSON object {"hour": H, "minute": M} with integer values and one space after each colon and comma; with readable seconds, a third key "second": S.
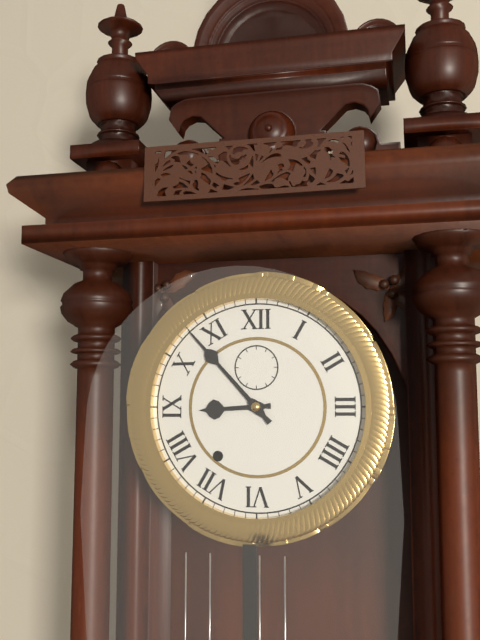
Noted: {"hour": 8, "minute": 53}
